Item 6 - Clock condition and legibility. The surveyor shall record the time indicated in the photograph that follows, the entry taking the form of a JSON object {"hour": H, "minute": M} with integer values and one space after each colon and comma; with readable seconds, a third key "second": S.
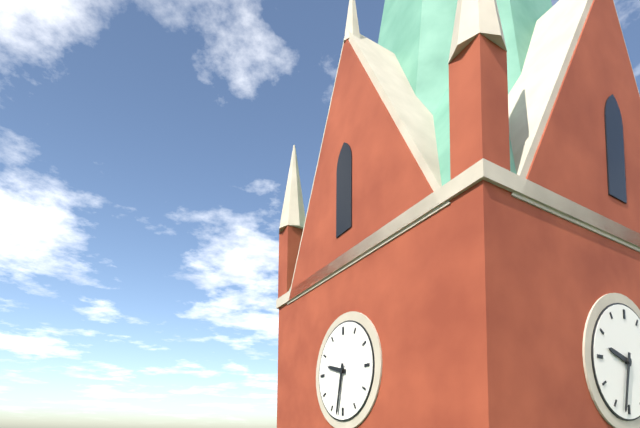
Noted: {"hour": 9, "minute": 32}
